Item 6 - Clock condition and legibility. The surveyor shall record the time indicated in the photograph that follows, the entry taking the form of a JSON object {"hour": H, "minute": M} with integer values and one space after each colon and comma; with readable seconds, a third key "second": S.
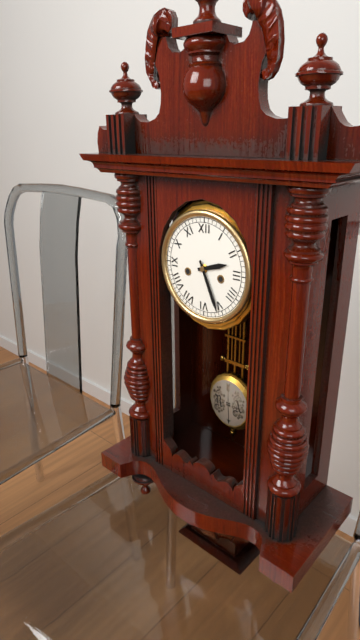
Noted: {"hour": 2, "minute": 26}
